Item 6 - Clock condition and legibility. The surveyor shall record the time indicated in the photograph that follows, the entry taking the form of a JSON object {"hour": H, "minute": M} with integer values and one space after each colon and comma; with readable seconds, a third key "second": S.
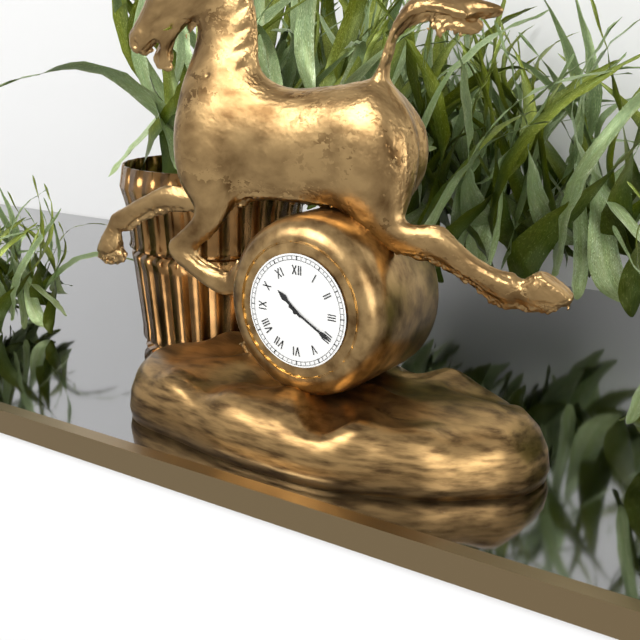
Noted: {"hour": 10, "minute": 20}
